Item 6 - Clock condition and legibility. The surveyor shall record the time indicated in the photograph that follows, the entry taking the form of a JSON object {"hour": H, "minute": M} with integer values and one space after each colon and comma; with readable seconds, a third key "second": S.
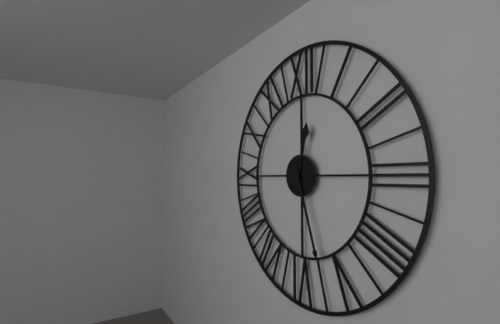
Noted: {"hour": 12, "minute": 27}
